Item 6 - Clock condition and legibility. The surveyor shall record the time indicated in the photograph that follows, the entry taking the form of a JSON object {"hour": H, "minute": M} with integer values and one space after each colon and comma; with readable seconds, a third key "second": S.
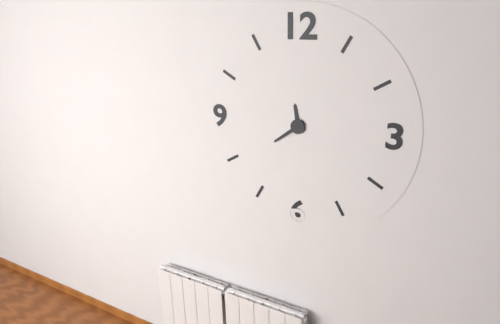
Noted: {"hour": 11, "minute": 39}
